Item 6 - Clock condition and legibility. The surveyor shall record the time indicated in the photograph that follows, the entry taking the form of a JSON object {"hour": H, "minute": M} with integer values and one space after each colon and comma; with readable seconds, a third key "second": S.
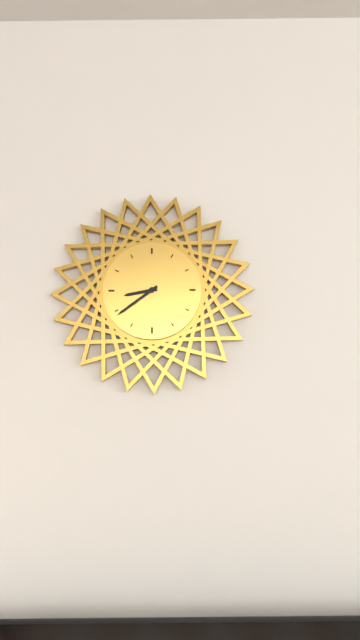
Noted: {"hour": 8, "minute": 39}
